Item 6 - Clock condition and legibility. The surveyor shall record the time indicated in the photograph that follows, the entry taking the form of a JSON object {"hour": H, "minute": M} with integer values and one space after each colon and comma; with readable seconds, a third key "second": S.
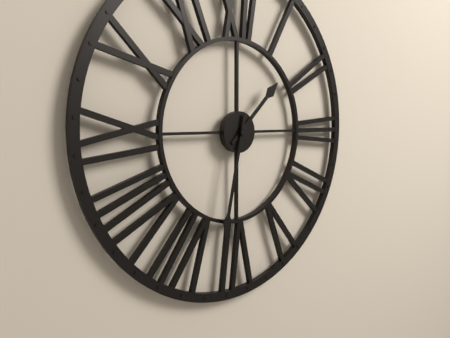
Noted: {"hour": 1, "minute": 32}
